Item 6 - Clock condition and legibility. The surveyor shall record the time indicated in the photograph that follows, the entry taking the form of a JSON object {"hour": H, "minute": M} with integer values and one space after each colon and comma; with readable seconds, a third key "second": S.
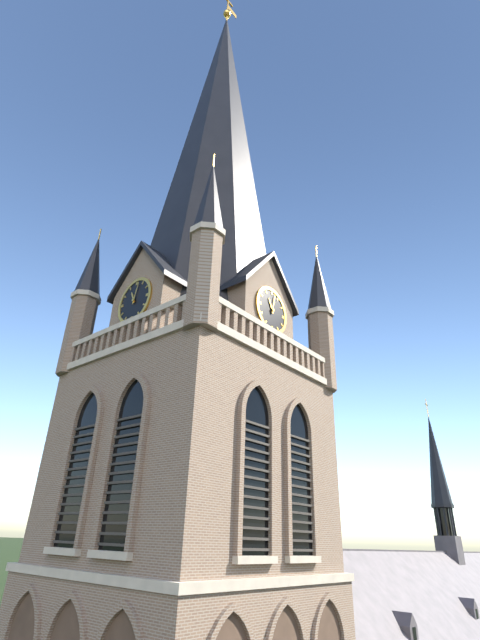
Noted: {"hour": 11, "minute": 2}
